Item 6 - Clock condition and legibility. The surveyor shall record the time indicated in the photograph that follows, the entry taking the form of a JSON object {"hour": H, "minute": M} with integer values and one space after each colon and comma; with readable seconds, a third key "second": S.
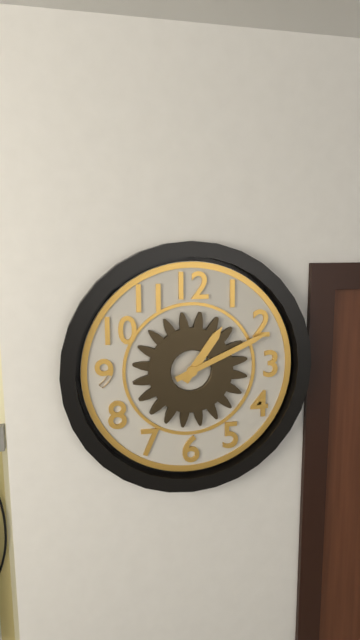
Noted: {"hour": 1, "minute": 11}
